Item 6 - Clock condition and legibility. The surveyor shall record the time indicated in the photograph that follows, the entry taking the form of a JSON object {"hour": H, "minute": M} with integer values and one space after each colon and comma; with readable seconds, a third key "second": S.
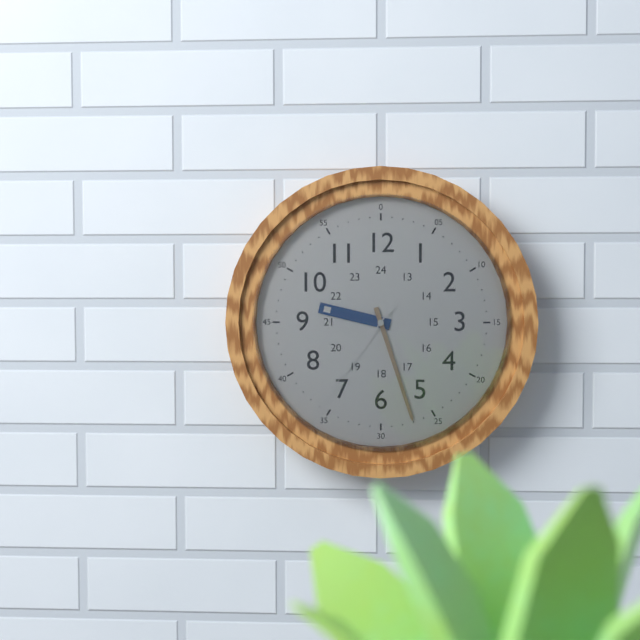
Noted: {"hour": 9, "minute": 27, "second": 36}
